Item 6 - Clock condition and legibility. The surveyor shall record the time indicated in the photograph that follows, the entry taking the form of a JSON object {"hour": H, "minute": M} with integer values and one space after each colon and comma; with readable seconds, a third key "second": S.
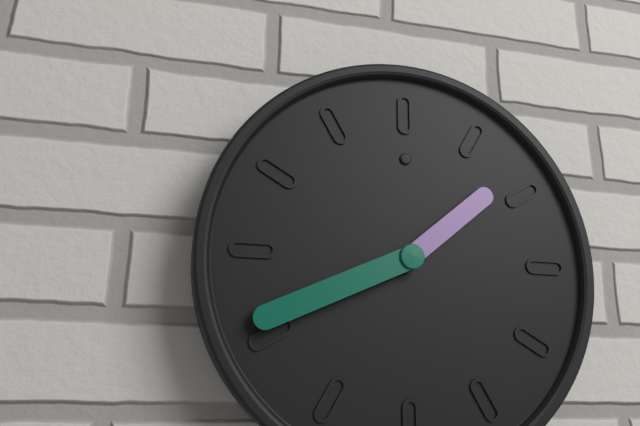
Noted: {"hour": 1, "minute": 41}
